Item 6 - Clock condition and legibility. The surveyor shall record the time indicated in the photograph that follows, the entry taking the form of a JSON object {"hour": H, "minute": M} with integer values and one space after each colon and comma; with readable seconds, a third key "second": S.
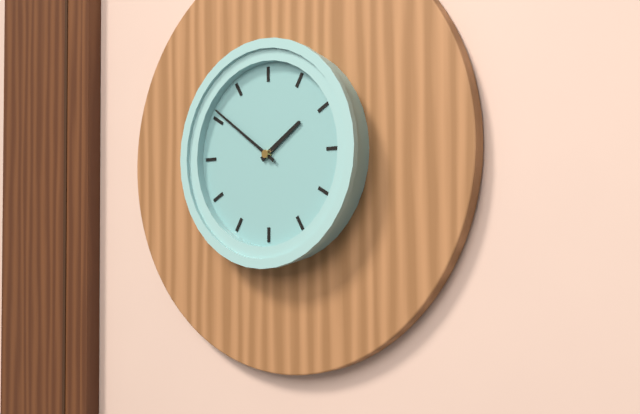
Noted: {"hour": 1, "minute": 51}
